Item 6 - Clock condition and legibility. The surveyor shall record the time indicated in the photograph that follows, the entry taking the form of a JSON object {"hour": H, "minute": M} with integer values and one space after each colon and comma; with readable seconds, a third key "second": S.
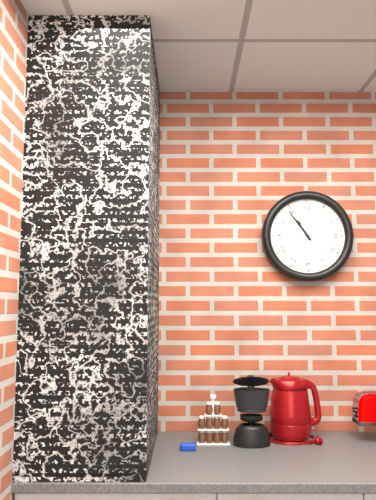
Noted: {"hour": 10, "minute": 54}
